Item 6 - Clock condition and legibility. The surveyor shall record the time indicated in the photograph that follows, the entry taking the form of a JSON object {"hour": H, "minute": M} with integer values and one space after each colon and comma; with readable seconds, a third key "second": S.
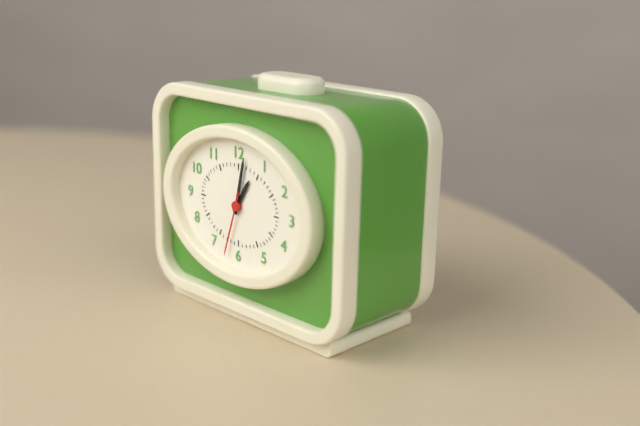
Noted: {"hour": 1, "minute": 2, "second": 33}
